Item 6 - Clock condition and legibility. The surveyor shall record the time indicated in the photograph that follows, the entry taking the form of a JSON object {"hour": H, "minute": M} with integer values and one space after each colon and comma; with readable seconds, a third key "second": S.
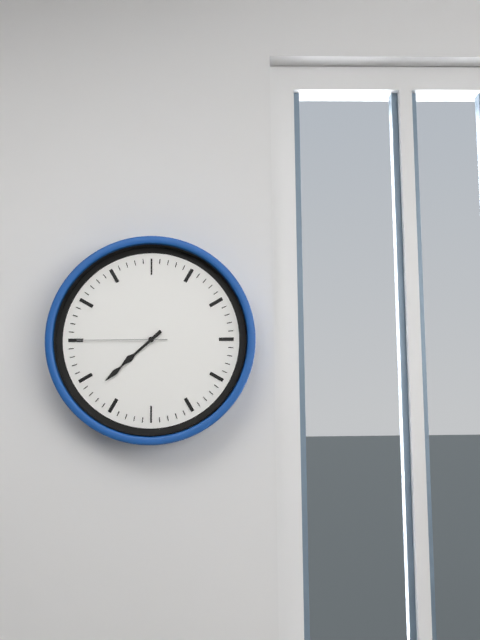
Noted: {"hour": 7, "minute": 38, "second": 45}
